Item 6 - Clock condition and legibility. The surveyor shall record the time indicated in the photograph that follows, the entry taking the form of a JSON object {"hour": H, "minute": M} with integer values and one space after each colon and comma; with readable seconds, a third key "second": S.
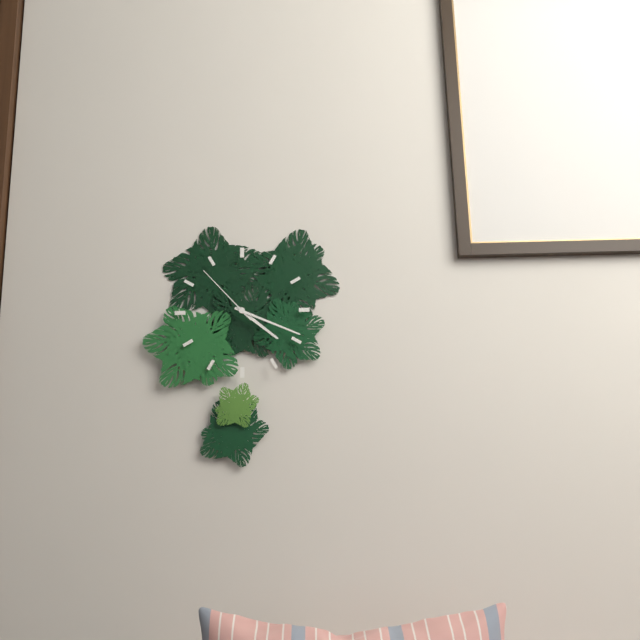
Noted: {"hour": 4, "minute": 19, "second": 53}
